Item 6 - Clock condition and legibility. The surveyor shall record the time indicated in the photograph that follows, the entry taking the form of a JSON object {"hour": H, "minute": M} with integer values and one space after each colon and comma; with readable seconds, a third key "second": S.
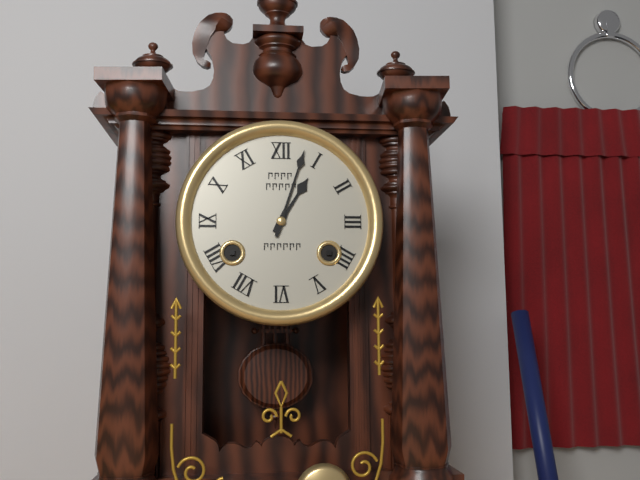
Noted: {"hour": 1, "minute": 3}
